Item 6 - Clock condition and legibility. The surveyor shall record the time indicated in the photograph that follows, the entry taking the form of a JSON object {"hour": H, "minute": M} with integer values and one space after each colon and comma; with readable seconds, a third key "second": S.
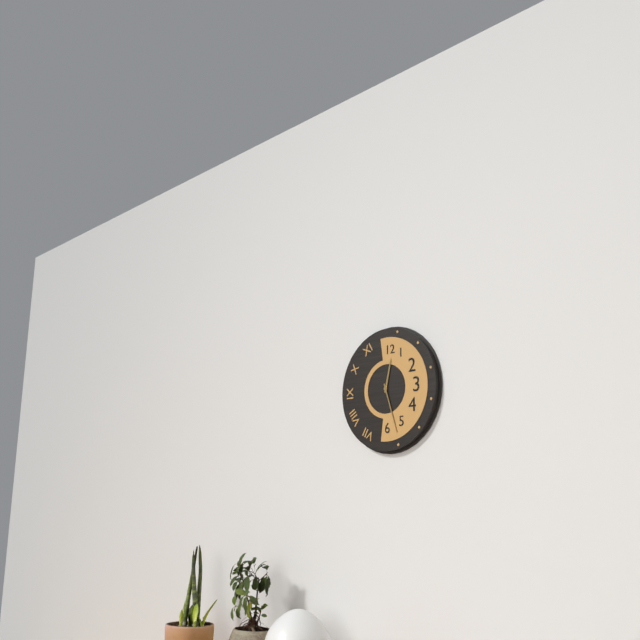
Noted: {"hour": 12, "minute": 27}
